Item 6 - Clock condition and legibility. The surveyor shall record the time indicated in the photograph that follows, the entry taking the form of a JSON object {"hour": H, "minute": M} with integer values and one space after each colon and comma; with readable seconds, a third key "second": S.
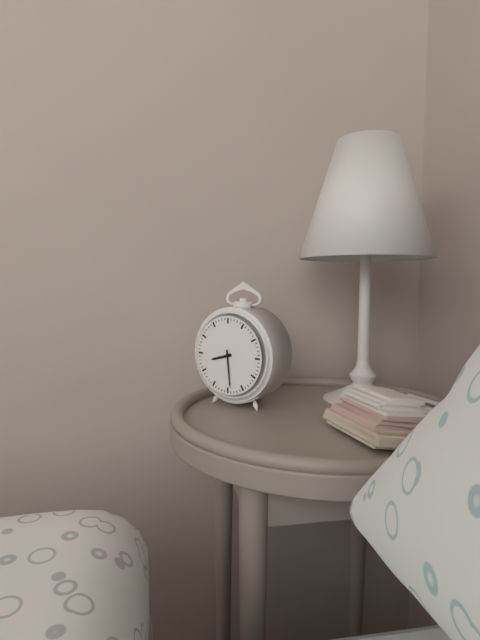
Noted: {"hour": 8, "minute": 29}
